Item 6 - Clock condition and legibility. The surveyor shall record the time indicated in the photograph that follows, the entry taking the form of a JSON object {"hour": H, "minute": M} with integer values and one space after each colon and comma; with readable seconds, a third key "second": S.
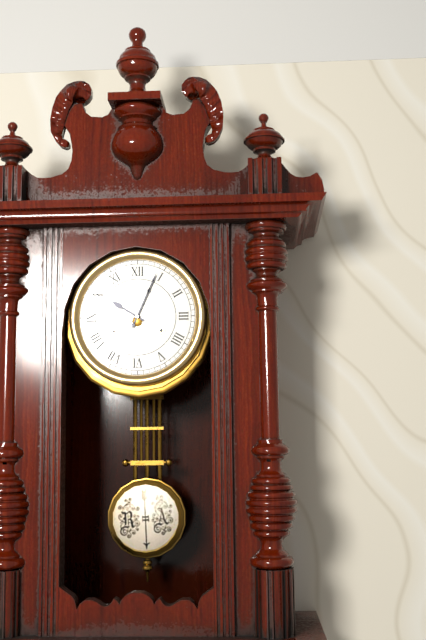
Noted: {"hour": 10, "minute": 4}
